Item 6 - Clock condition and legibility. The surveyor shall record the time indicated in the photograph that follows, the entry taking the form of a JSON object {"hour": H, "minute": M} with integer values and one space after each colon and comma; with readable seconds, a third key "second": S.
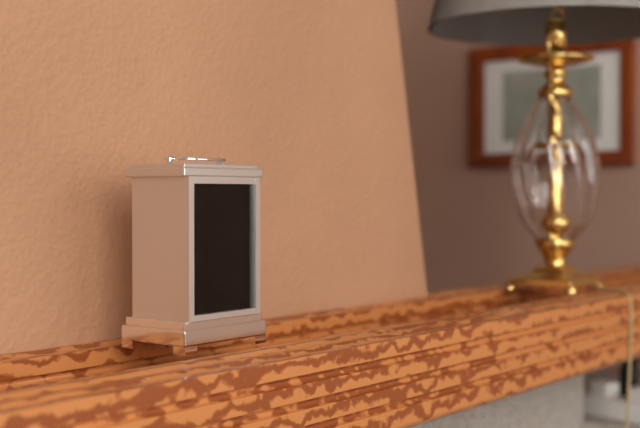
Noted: {"hour": 5, "minute": 28}
